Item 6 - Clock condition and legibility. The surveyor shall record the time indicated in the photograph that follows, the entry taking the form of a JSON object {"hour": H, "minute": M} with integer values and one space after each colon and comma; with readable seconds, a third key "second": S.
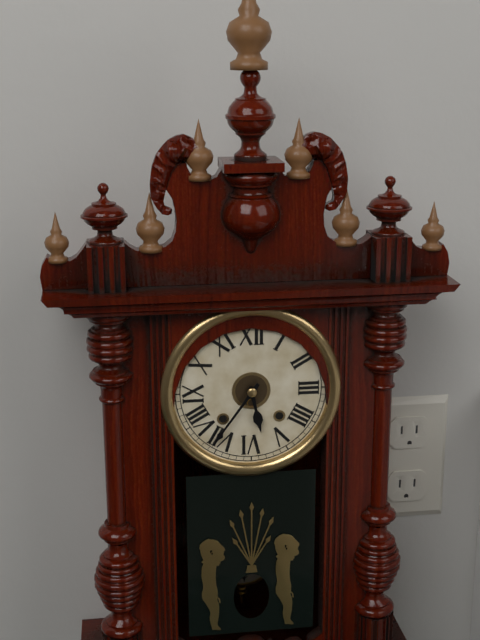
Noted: {"hour": 5, "minute": 36}
